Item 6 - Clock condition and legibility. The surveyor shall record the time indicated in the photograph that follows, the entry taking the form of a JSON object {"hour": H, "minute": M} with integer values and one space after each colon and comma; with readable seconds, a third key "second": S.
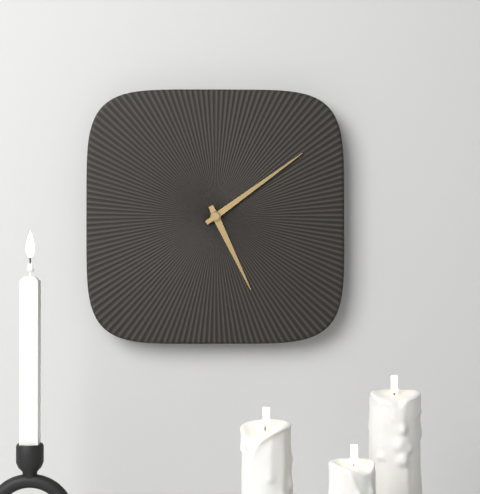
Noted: {"hour": 5, "minute": 9}
